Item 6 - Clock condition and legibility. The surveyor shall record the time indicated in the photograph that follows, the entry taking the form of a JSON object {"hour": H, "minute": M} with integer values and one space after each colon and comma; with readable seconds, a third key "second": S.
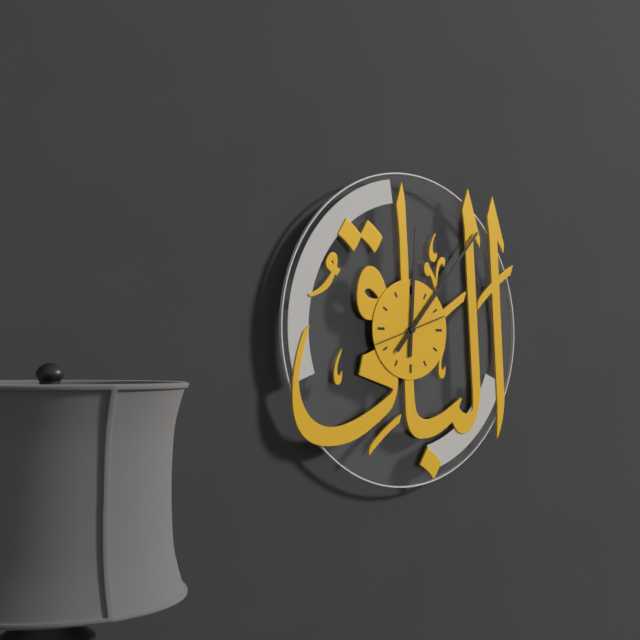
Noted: {"hour": 12, "minute": 7}
